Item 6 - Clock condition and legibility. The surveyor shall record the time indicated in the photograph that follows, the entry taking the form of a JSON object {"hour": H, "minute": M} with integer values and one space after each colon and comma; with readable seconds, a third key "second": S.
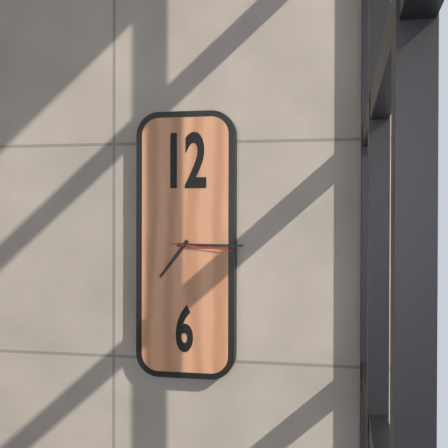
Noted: {"hour": 7, "minute": 15, "second": 16}
